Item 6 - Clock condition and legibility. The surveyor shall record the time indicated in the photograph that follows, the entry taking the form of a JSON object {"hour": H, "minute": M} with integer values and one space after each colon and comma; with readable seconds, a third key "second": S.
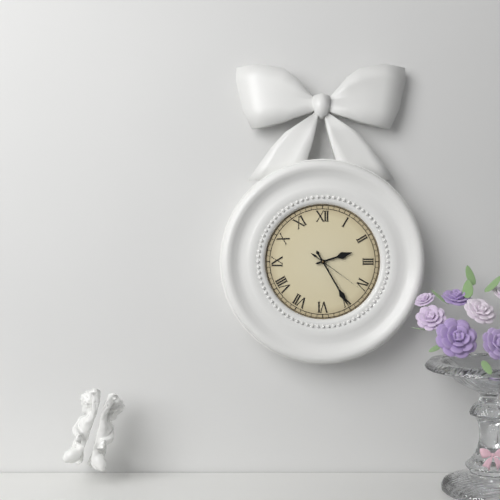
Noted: {"hour": 2, "minute": 25, "second": 21}
